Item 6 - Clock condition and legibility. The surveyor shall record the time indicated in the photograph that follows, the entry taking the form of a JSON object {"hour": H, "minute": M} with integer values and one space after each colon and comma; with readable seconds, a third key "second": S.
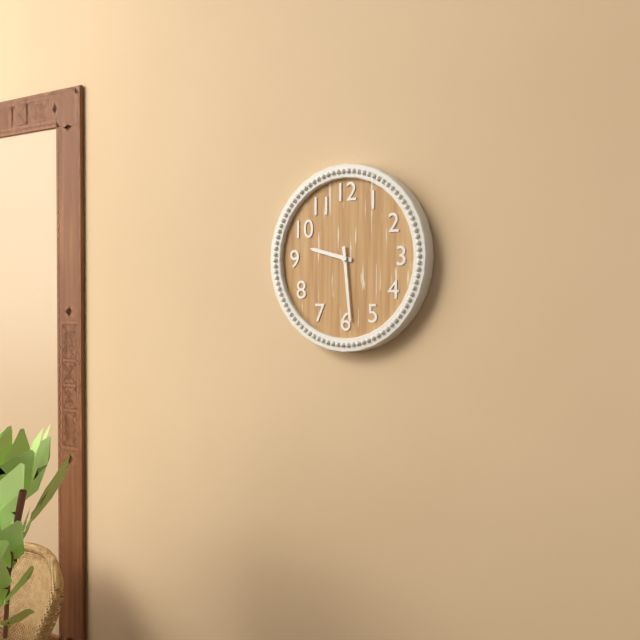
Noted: {"hour": 9, "minute": 29}
